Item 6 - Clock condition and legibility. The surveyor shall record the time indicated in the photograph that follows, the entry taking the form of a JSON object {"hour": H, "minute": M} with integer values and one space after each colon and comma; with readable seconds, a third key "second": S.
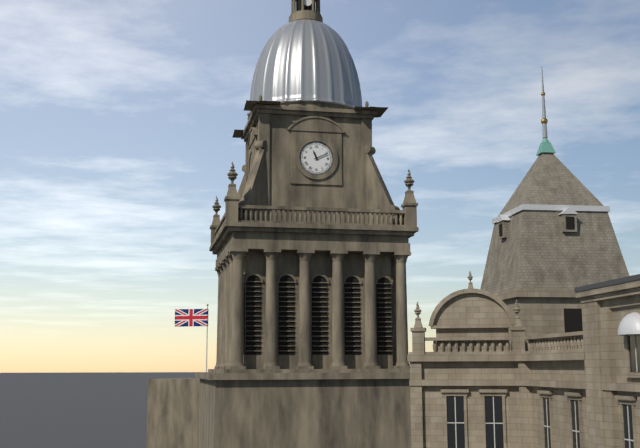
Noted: {"hour": 11, "minute": 11}
